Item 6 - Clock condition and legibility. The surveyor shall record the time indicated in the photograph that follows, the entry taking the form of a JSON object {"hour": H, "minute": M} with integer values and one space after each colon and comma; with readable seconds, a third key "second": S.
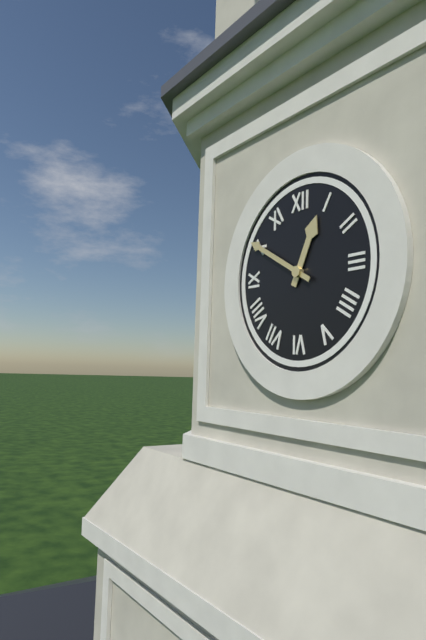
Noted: {"hour": 12, "minute": 50}
